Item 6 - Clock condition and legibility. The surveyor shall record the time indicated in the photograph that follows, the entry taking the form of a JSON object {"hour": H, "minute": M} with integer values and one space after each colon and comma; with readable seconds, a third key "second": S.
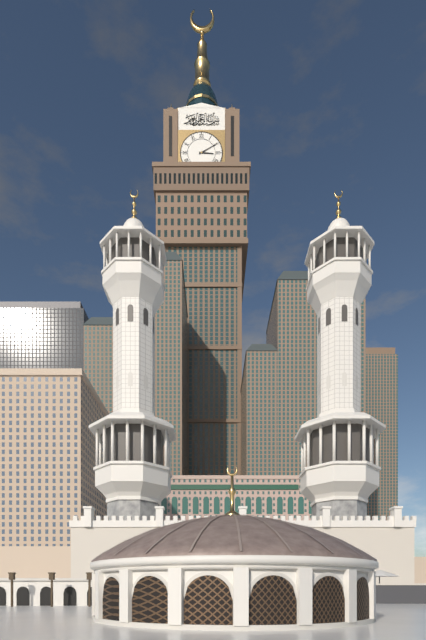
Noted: {"hour": 3, "minute": 10}
